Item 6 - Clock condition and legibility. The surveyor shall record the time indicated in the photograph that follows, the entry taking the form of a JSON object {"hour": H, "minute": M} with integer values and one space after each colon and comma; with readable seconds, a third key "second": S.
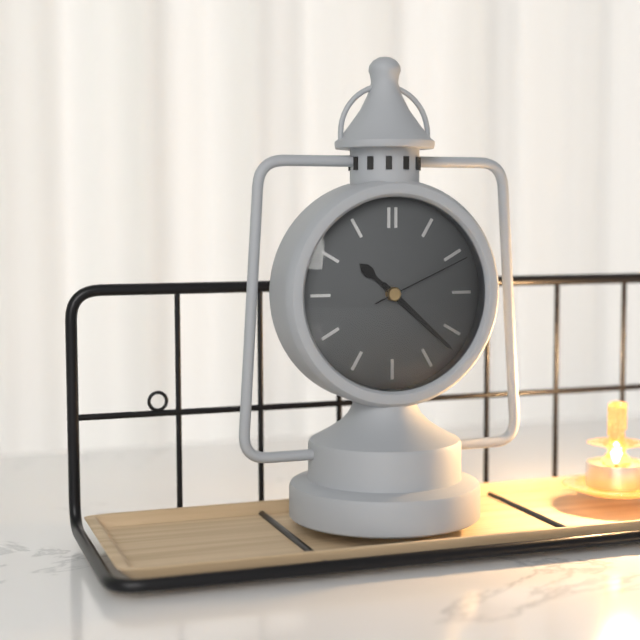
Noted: {"hour": 10, "minute": 22, "second": 11}
